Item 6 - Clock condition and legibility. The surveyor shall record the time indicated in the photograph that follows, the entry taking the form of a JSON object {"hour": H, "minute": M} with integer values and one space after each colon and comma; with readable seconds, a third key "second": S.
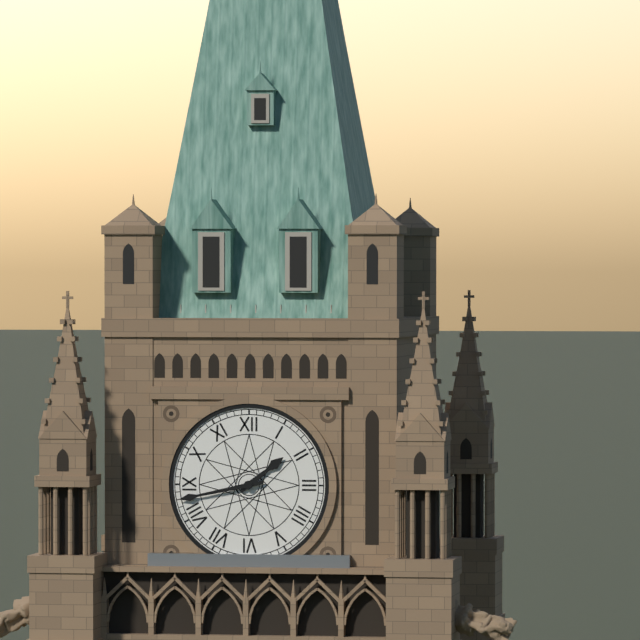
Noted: {"hour": 1, "minute": 43}
